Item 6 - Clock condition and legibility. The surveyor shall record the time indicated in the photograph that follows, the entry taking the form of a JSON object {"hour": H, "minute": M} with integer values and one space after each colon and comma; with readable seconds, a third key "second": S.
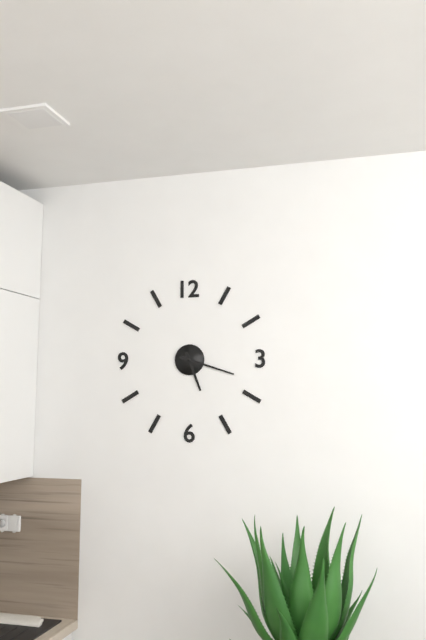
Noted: {"hour": 5, "minute": 18}
